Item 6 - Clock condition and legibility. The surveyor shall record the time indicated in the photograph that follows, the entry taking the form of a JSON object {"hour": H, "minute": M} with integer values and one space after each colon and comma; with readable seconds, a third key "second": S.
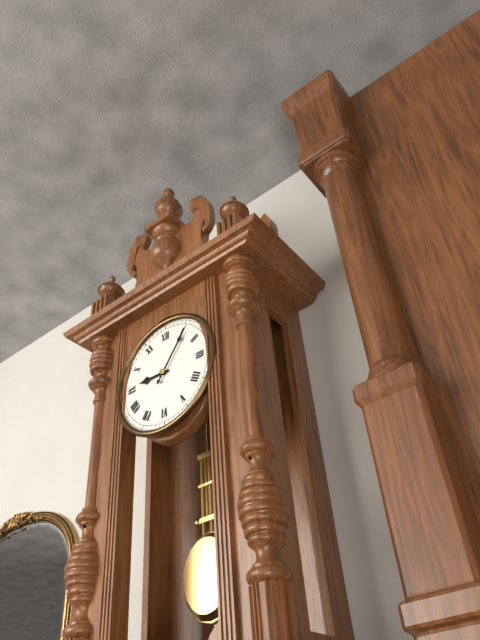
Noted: {"hour": 9, "minute": 6}
